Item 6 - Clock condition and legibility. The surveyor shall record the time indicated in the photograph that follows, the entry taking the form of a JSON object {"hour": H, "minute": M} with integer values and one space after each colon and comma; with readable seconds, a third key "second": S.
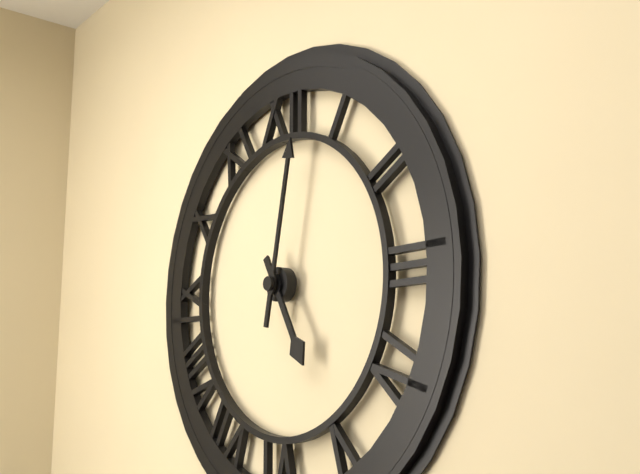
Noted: {"hour": 5, "minute": 2}
